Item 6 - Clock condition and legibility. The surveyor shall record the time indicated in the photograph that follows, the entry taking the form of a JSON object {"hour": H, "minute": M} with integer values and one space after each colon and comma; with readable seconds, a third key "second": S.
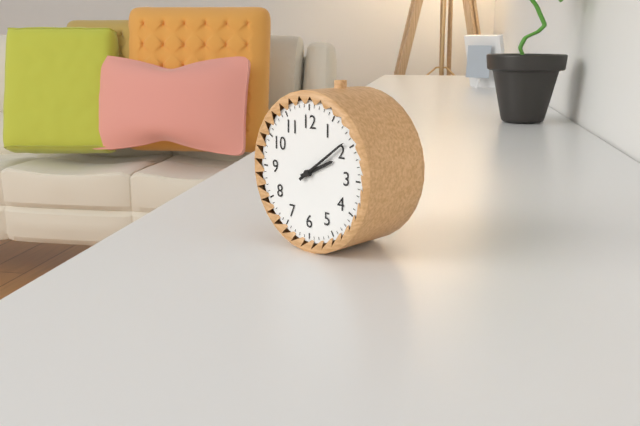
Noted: {"hour": 2, "minute": 9}
